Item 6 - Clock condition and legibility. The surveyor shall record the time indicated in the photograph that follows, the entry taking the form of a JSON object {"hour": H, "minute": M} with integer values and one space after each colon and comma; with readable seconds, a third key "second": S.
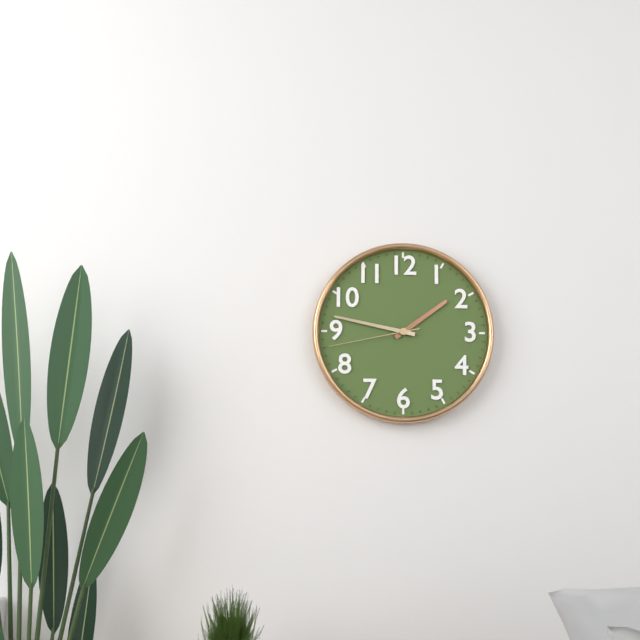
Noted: {"hour": 1, "minute": 47, "second": 43}
